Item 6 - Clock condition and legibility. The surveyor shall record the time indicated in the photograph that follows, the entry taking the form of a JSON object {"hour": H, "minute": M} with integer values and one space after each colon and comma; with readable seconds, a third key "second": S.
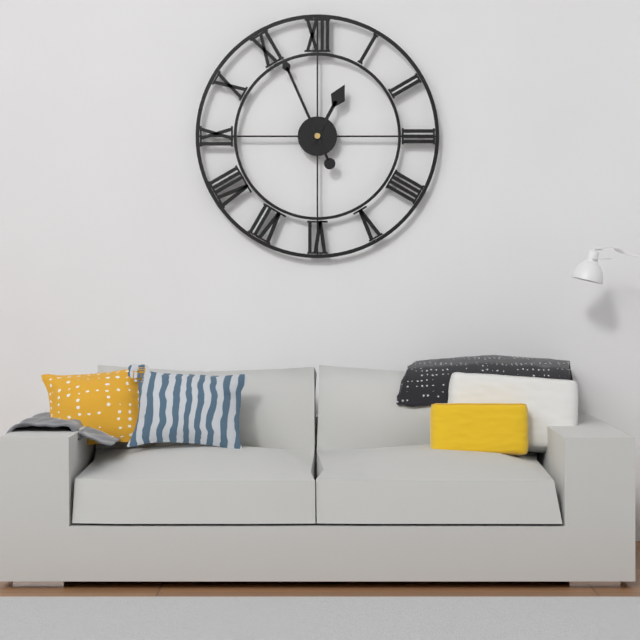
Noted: {"hour": 12, "minute": 56}
